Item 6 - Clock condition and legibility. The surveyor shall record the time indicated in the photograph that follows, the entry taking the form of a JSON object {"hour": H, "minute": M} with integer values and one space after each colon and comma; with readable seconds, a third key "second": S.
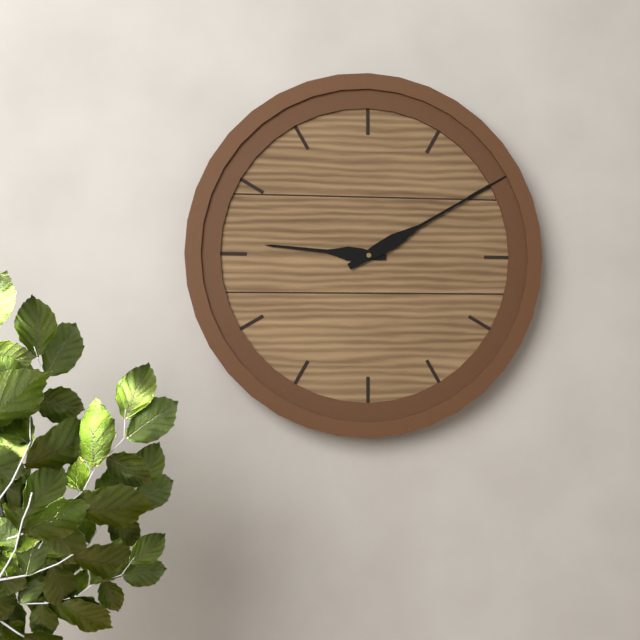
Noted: {"hour": 9, "minute": 10}
